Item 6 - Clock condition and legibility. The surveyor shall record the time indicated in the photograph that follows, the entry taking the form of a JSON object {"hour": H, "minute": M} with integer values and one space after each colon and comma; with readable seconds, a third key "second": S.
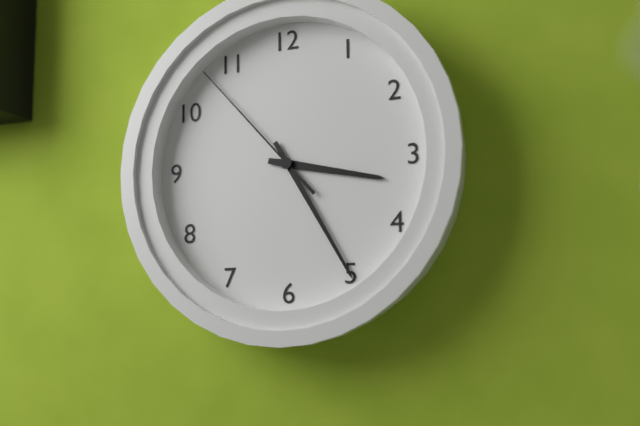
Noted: {"hour": 3, "minute": 25, "second": 53}
